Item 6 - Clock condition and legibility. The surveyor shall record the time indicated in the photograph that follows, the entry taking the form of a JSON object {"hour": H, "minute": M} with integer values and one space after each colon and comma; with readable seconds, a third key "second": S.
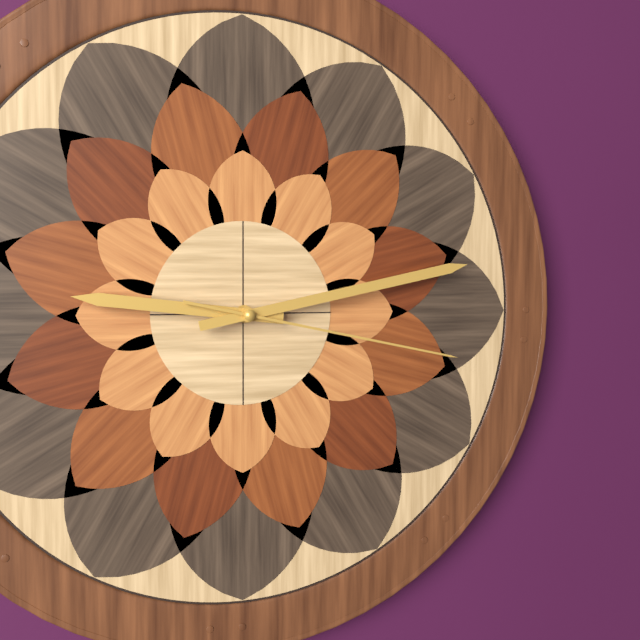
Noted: {"hour": 9, "minute": 13, "second": 17}
